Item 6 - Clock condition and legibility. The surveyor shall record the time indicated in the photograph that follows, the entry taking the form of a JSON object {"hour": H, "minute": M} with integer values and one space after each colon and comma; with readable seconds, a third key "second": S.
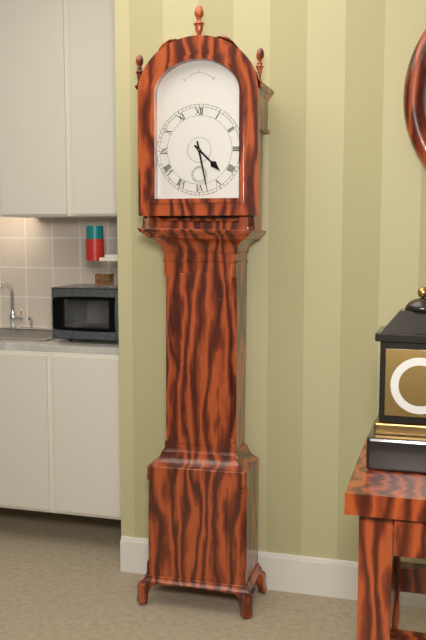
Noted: {"hour": 4, "minute": 28}
